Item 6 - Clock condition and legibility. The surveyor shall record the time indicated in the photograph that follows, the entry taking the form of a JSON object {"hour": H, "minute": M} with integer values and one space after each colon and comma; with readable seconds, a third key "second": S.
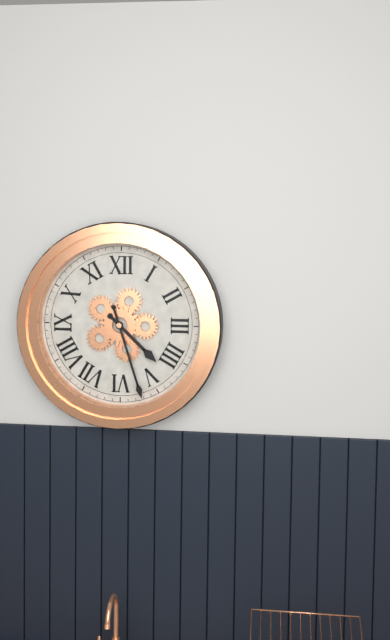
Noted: {"hour": 4, "minute": 27}
